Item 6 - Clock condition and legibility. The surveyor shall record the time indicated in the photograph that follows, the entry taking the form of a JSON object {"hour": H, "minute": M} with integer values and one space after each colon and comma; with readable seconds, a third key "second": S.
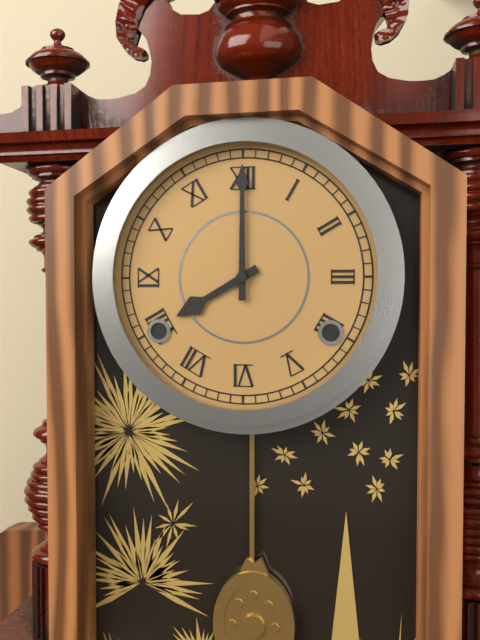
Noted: {"hour": 8, "minute": 0}
